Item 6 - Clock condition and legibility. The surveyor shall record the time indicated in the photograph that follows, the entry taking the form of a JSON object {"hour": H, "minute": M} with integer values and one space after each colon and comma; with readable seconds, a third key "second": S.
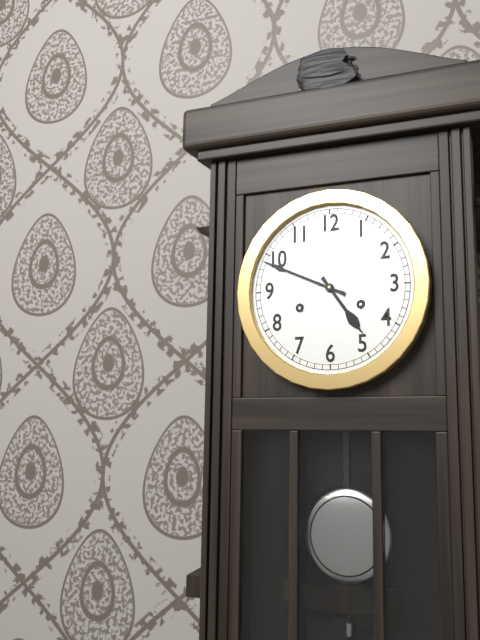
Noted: {"hour": 4, "minute": 49}
